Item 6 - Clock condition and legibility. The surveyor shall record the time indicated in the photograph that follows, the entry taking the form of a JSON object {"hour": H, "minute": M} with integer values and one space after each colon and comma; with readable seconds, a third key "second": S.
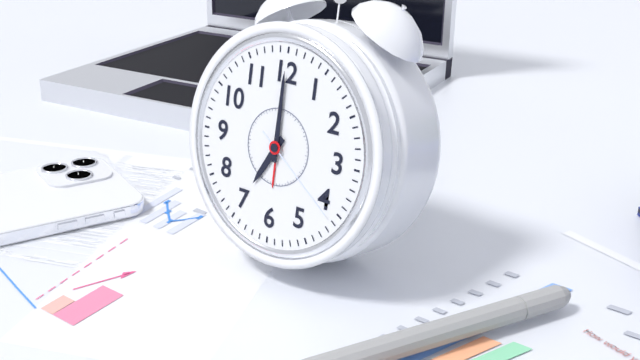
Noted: {"hour": 7, "minute": 0, "second": 21}
